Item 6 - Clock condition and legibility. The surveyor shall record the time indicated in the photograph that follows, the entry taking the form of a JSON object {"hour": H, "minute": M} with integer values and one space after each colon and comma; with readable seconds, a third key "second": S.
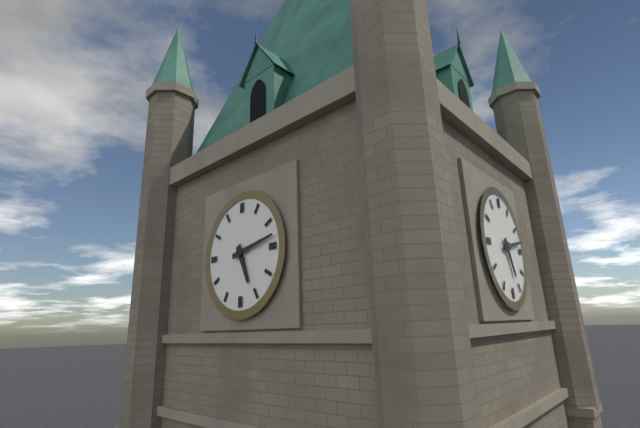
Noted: {"hour": 5, "minute": 13}
